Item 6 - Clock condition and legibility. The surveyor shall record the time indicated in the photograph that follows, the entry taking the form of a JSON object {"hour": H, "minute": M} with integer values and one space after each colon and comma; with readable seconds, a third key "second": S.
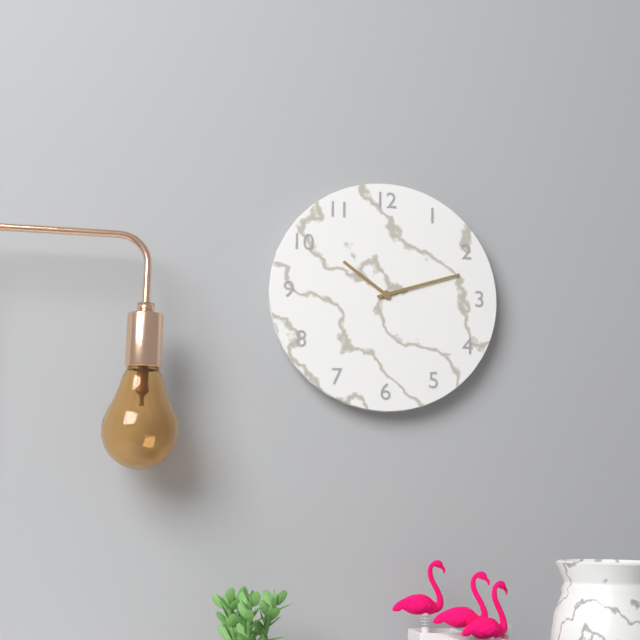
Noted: {"hour": 10, "minute": 12}
